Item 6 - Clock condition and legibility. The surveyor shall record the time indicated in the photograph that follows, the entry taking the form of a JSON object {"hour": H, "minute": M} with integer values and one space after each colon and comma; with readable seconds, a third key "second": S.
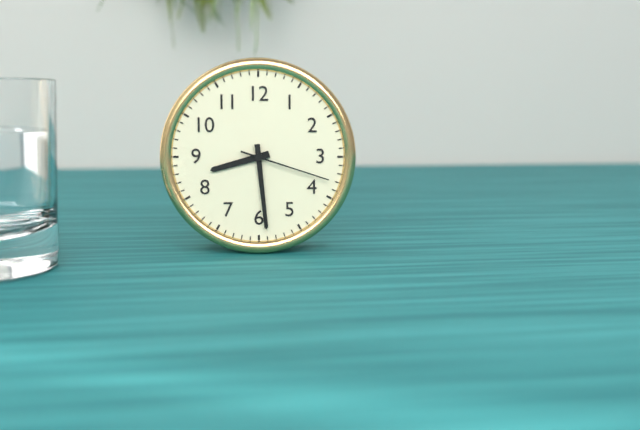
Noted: {"hour": 8, "minute": 29, "second": 18}
